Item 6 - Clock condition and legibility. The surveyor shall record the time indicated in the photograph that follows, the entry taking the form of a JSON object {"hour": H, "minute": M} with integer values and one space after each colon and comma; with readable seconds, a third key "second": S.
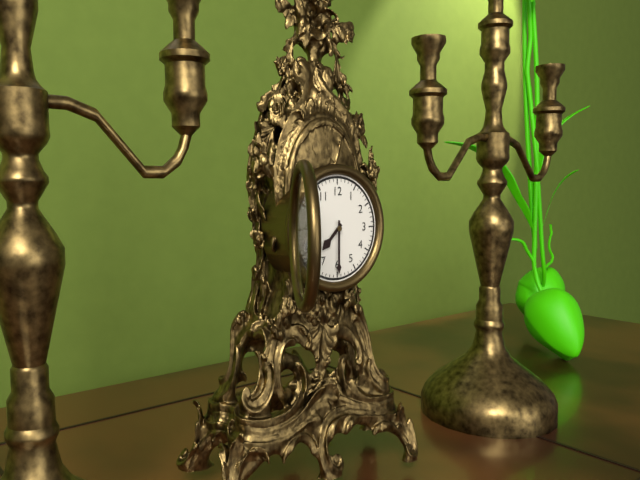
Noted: {"hour": 7, "minute": 30}
